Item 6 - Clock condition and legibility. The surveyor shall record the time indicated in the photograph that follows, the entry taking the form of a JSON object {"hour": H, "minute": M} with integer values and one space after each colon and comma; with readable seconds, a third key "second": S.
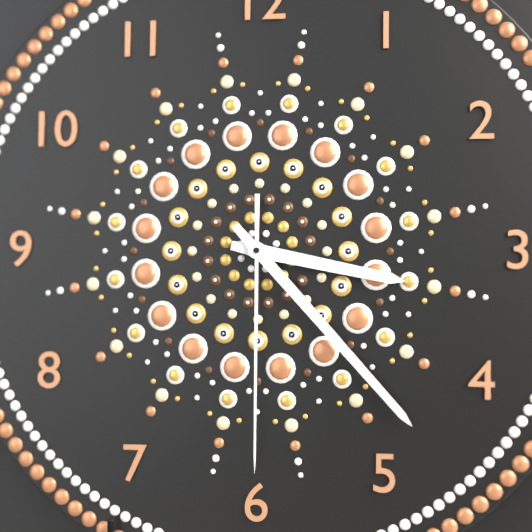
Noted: {"hour": 3, "minute": 23, "second": 30}
